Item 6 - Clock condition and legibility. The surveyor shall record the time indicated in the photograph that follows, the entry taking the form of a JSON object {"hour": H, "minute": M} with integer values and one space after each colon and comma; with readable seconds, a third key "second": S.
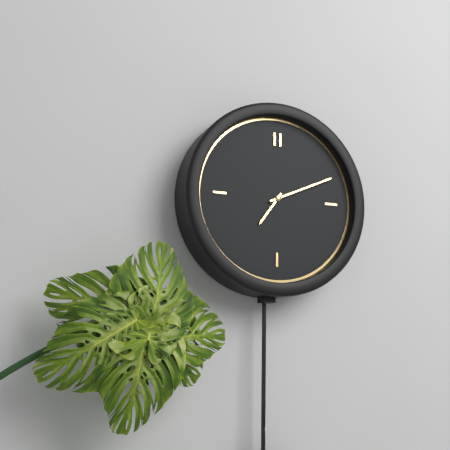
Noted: {"hour": 7, "minute": 11}
